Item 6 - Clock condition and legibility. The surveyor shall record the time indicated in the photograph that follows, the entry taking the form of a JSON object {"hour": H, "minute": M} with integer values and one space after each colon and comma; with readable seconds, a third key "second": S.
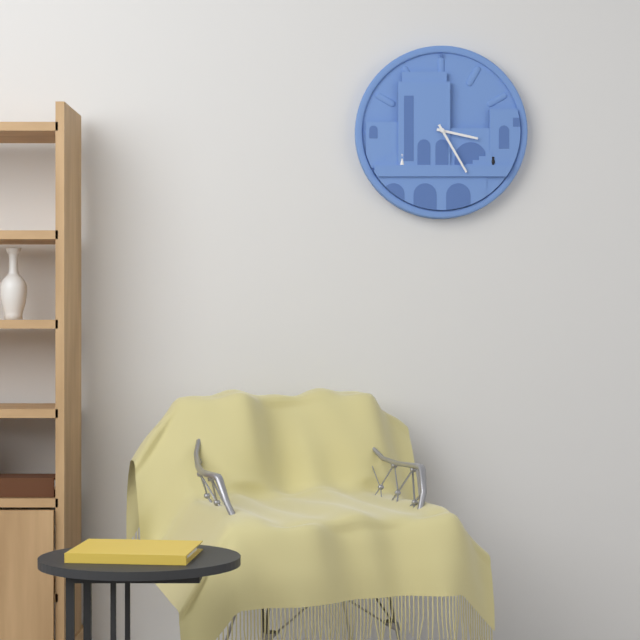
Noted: {"hour": 3, "minute": 25}
